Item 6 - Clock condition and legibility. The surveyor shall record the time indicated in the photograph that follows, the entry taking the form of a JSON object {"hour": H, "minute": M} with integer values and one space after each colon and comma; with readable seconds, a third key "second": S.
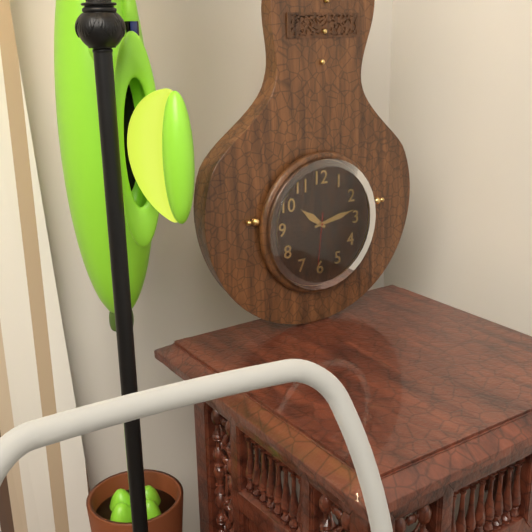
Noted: {"hour": 10, "minute": 13, "second": 31}
